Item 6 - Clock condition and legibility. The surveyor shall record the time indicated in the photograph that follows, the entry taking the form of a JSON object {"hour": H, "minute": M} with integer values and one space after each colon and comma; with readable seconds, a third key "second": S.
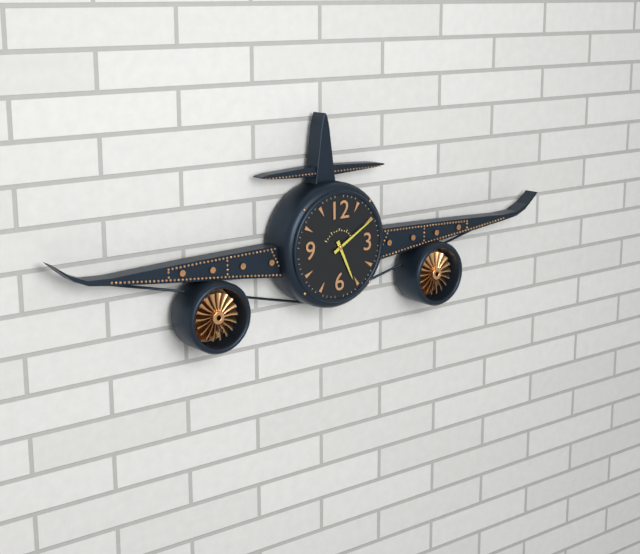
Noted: {"hour": 5, "minute": 10}
